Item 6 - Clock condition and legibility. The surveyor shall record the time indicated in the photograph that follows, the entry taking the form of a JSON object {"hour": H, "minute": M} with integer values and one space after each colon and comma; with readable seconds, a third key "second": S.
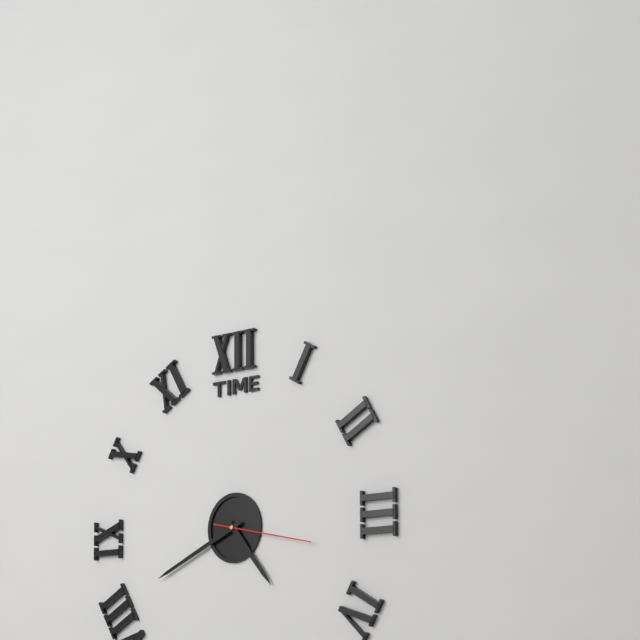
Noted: {"hour": 4, "minute": 41, "second": 17}
